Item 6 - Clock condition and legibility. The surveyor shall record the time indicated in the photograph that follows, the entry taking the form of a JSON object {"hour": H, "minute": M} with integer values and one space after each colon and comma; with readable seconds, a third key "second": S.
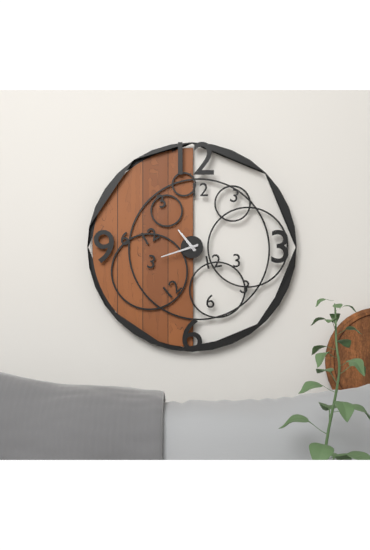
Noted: {"hour": 10, "minute": 42}
